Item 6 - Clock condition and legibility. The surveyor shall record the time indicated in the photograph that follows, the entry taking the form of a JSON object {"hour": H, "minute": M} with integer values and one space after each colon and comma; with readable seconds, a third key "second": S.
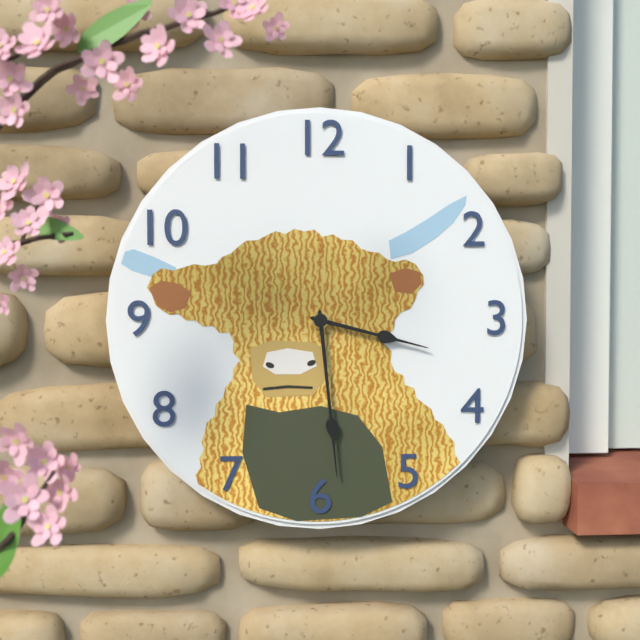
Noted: {"hour": 3, "minute": 29}
